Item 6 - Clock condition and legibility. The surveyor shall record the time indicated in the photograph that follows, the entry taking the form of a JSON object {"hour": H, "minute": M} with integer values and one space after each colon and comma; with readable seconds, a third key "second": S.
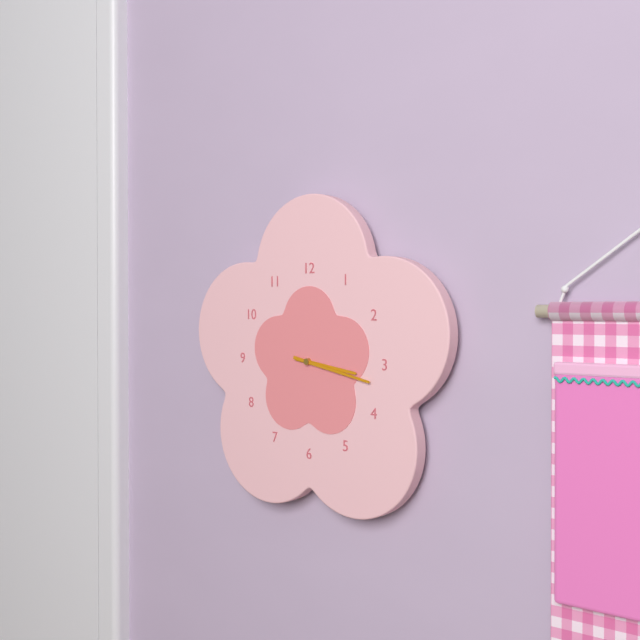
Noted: {"hour": 3, "minute": 17}
